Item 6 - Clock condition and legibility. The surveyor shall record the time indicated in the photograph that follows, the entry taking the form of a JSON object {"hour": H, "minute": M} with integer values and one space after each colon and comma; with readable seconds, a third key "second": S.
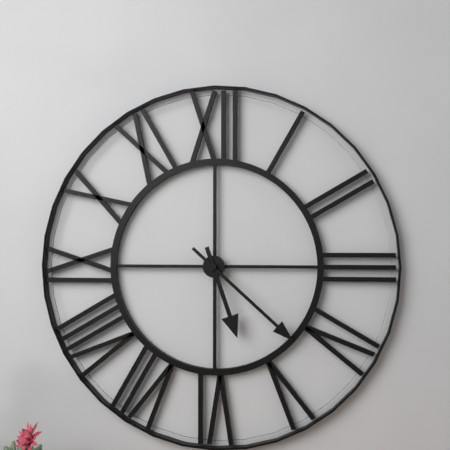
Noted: {"hour": 5, "minute": 22}
